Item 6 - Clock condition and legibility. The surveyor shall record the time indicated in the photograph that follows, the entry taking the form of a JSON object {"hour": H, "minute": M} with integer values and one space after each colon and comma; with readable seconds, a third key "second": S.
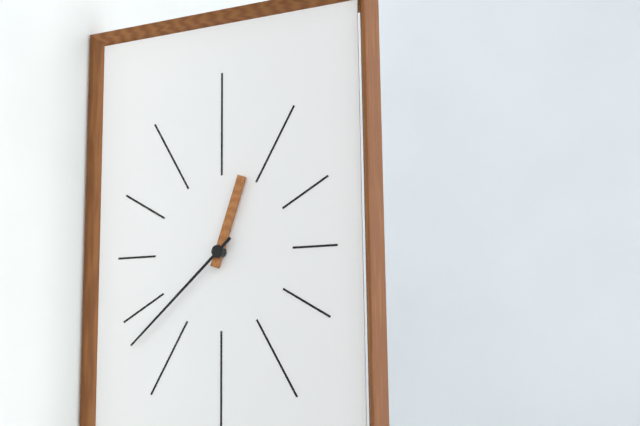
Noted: {"hour": 12, "minute": 38}
